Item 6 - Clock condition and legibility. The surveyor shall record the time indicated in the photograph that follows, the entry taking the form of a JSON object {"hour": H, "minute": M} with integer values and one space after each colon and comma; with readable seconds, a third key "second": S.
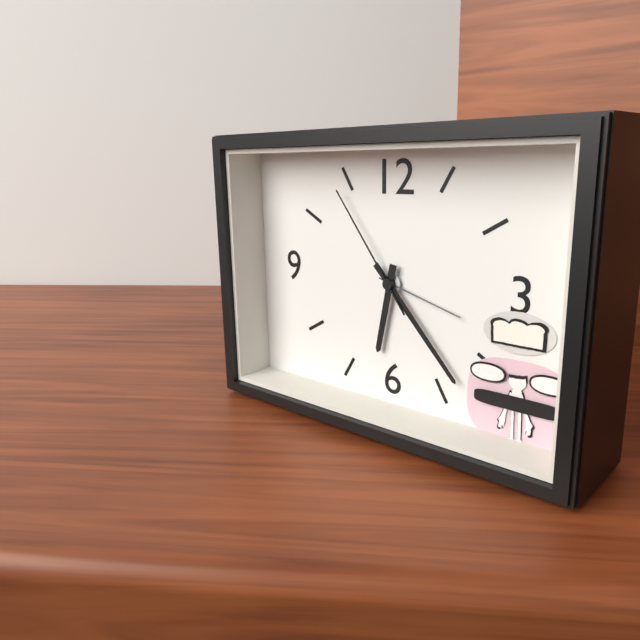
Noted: {"hour": 6, "minute": 23, "second": 54}
